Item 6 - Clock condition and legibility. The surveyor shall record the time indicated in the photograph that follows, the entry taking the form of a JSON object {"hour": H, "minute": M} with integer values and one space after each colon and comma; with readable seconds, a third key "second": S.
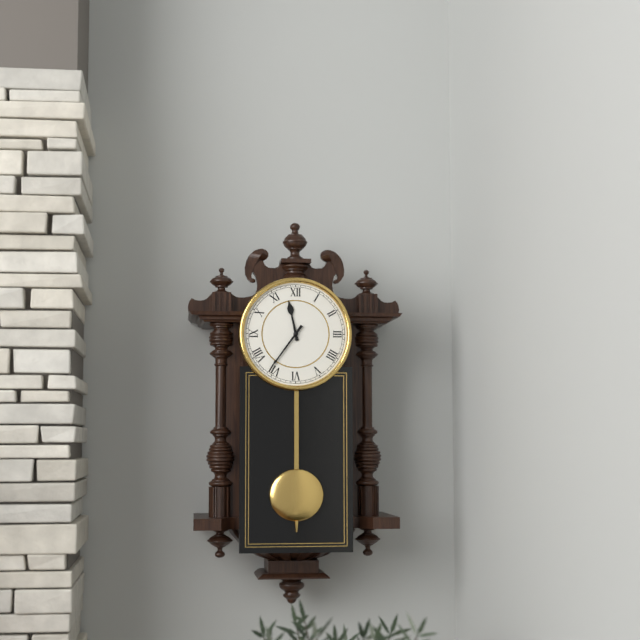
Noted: {"hour": 11, "minute": 36}
